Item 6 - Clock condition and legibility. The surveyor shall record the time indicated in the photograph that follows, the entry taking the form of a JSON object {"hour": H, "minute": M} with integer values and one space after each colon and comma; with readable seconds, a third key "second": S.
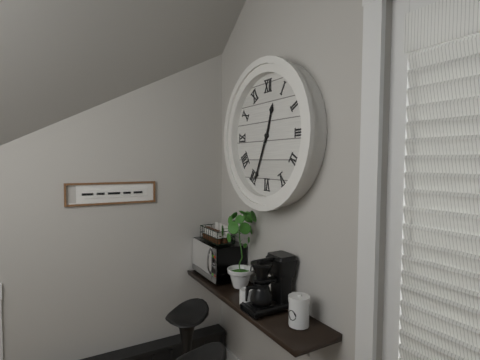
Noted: {"hour": 12, "minute": 34}
